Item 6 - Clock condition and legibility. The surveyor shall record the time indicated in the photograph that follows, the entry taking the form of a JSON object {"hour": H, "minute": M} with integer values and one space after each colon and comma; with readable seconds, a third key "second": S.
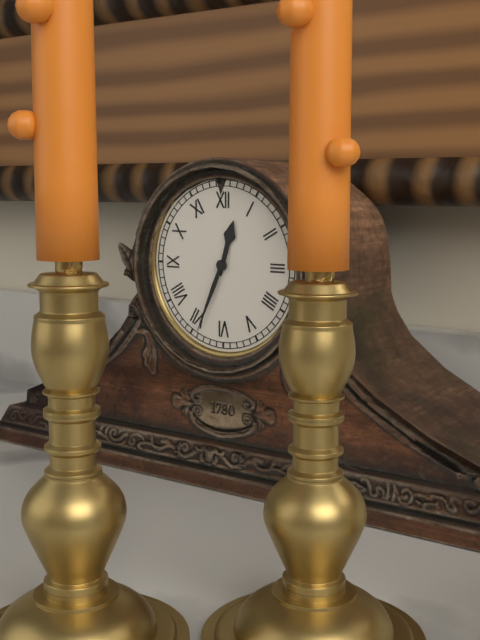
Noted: {"hour": 12, "minute": 34}
